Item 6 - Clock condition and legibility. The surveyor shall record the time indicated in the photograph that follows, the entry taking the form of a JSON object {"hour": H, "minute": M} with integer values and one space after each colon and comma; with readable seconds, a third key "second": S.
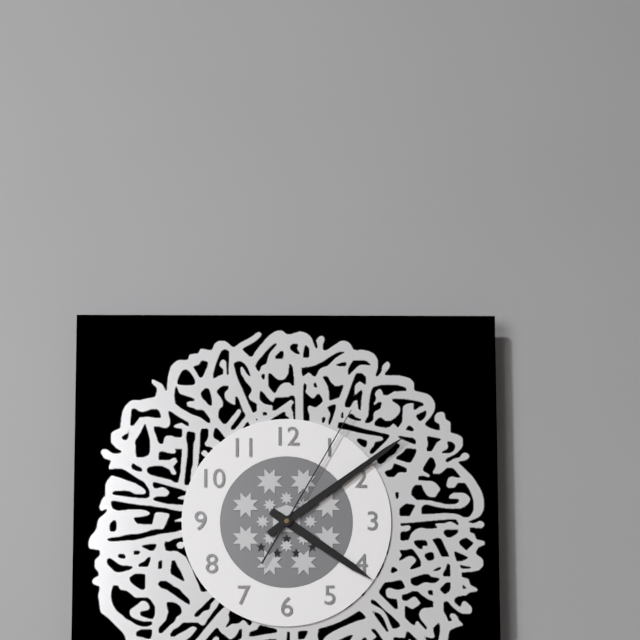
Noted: {"hour": 4, "minute": 9, "second": 5}
